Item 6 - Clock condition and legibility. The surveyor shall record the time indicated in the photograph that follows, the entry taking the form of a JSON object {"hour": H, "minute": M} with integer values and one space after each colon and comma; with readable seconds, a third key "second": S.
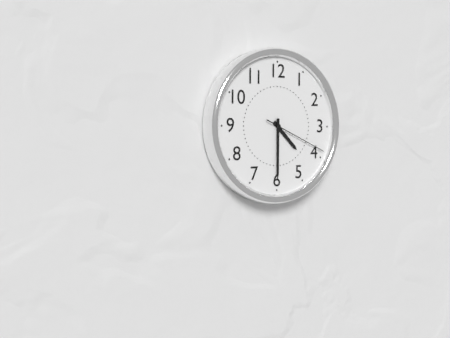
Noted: {"hour": 4, "minute": 30, "second": 19}
